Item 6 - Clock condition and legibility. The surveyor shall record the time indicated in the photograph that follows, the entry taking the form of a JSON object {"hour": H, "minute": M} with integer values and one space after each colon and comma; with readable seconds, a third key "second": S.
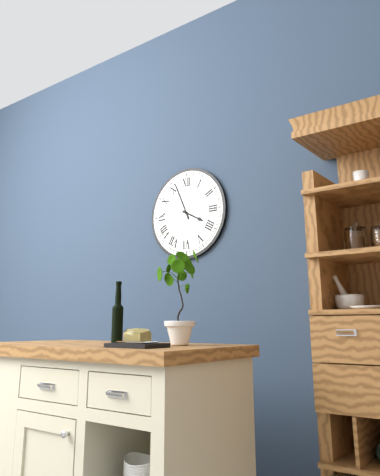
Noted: {"hour": 3, "minute": 56}
